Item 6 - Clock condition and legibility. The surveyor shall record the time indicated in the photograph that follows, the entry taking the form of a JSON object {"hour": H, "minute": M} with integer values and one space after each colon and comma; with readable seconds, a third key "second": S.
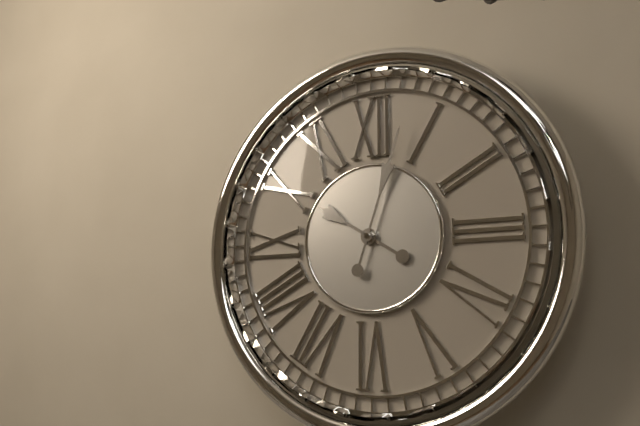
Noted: {"hour": 10, "minute": 3}
